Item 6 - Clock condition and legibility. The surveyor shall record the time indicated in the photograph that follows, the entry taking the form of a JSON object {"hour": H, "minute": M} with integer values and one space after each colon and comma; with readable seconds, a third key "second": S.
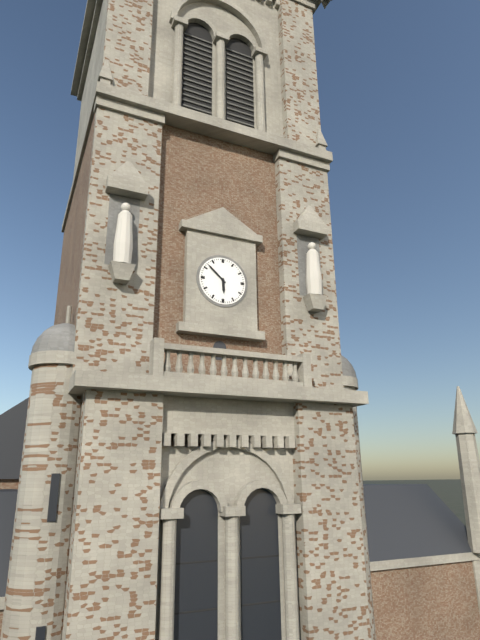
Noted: {"hour": 5, "minute": 52}
